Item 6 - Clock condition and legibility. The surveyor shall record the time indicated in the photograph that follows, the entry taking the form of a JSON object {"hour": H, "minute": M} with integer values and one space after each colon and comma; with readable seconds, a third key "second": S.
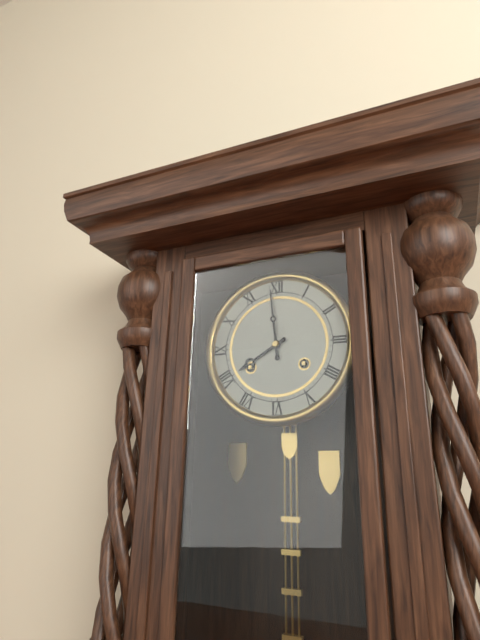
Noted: {"hour": 7, "minute": 59}
